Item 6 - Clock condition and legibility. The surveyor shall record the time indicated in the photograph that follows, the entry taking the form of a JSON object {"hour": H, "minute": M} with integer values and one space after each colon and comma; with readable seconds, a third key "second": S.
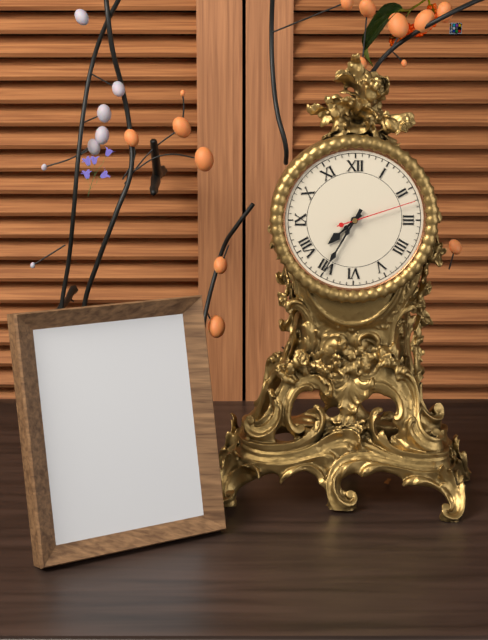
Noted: {"hour": 7, "minute": 35, "second": 12}
